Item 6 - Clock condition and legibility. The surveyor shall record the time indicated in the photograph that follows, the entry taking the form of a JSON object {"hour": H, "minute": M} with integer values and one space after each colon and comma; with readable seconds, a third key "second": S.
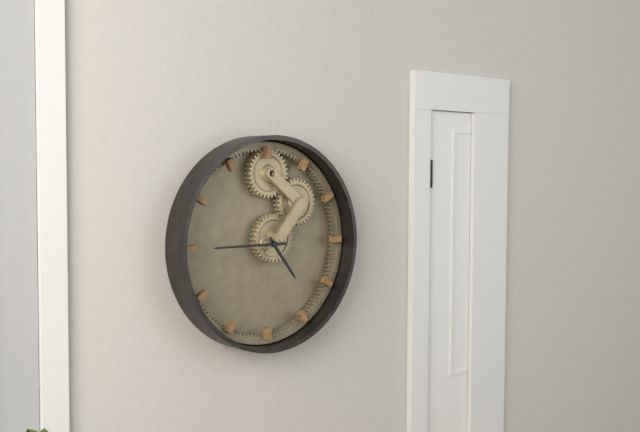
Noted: {"hour": 4, "minute": 45}
